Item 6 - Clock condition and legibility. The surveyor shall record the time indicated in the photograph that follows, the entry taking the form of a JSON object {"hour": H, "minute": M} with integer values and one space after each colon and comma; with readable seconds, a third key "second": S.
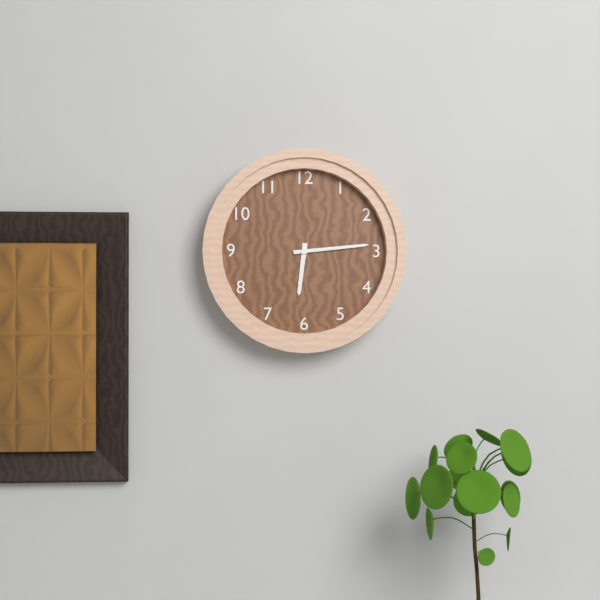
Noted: {"hour": 6, "minute": 14}
